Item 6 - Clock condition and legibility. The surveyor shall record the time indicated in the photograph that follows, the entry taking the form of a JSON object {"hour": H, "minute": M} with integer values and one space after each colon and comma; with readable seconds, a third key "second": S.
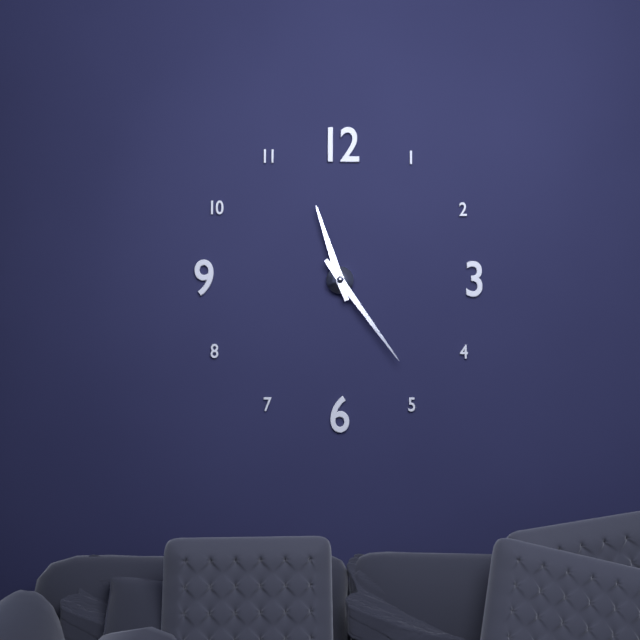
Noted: {"hour": 11, "minute": 24}
